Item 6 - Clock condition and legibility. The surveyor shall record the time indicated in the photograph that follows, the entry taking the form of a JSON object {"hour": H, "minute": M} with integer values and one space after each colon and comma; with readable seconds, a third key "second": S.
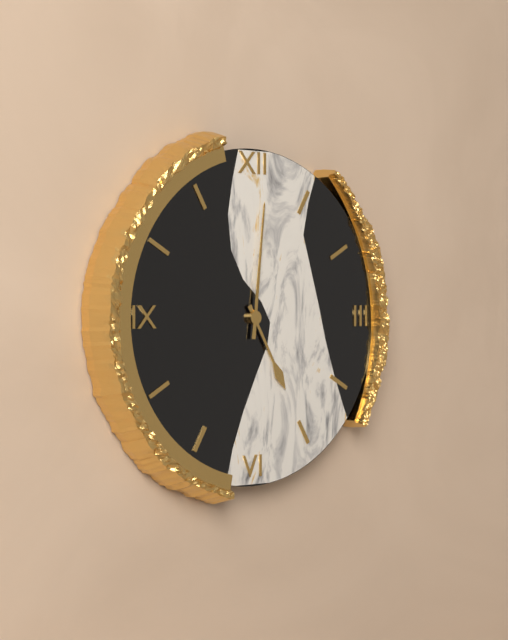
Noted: {"hour": 5, "minute": 1}
